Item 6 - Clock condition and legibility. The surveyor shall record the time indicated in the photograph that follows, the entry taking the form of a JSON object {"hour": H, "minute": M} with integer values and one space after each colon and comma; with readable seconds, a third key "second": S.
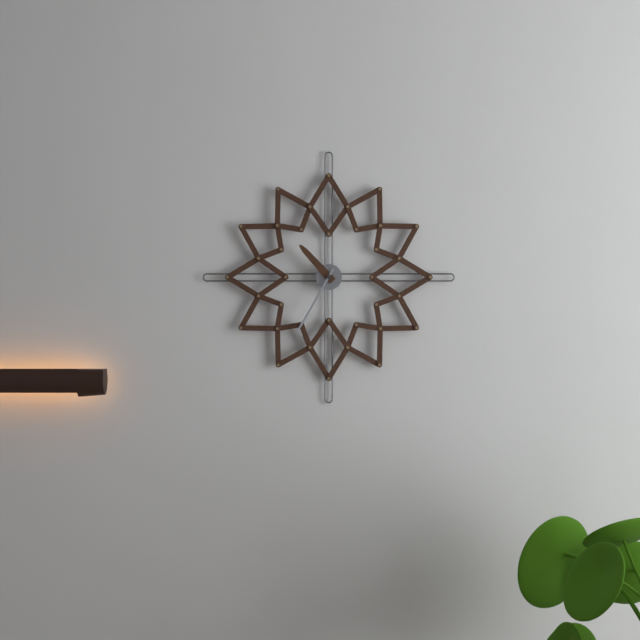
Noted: {"hour": 10, "minute": 35}
